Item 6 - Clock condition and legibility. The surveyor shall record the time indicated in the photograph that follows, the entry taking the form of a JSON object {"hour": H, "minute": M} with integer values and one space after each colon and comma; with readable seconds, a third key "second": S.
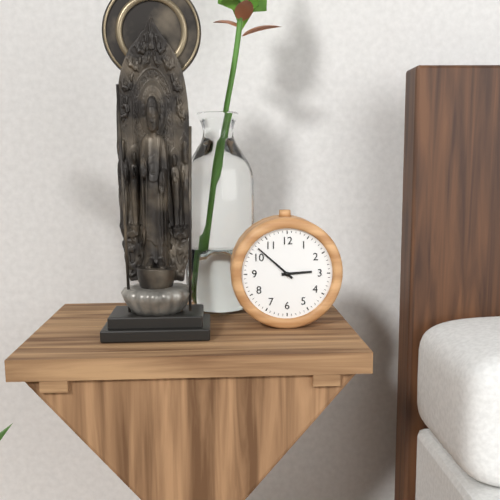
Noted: {"hour": 2, "minute": 52}
